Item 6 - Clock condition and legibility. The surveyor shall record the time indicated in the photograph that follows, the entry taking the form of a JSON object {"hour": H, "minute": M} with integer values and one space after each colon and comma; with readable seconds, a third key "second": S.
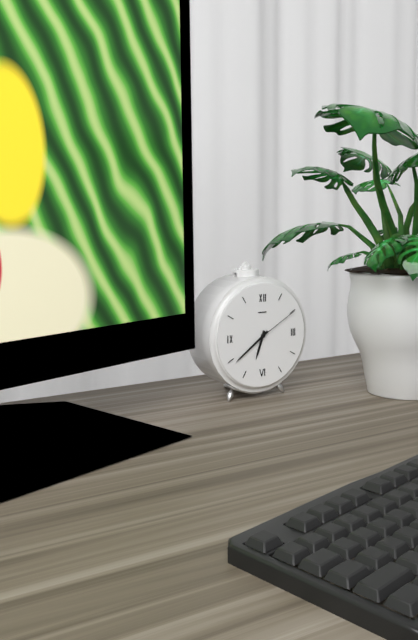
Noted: {"hour": 6, "minute": 39, "second": 10}
